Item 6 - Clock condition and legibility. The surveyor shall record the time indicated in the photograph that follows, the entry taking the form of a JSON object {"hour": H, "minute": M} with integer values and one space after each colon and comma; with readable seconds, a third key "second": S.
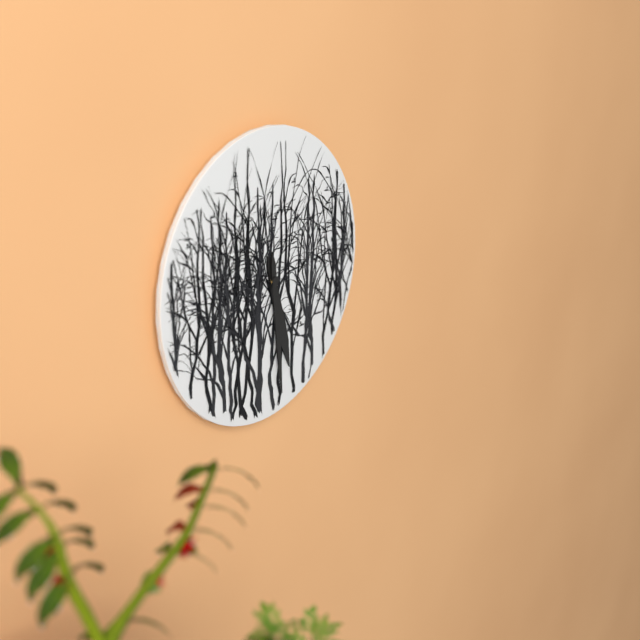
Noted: {"hour": 5, "minute": 29}
